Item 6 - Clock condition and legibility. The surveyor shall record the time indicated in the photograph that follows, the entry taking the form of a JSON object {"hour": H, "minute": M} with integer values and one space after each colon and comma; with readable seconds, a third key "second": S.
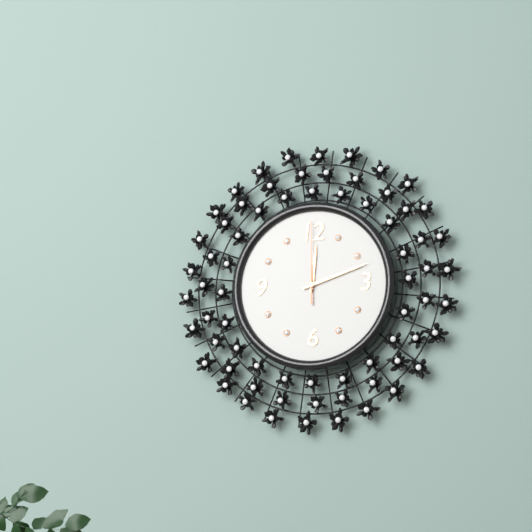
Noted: {"hour": 12, "minute": 12, "second": 0}
